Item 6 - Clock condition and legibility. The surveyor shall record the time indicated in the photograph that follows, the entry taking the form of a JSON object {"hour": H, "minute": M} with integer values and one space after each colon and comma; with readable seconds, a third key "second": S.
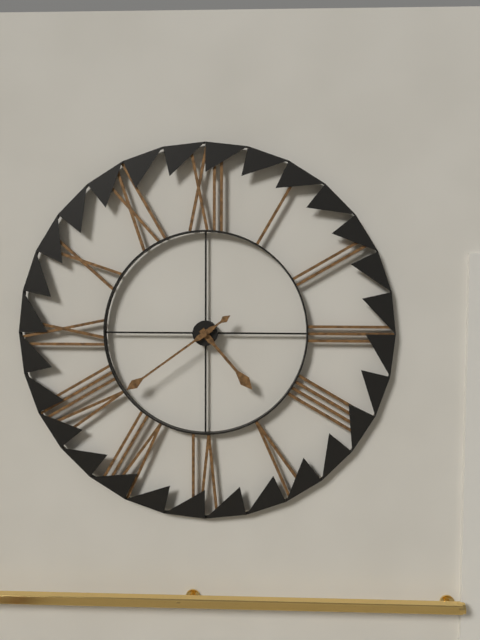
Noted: {"hour": 4, "minute": 39}
